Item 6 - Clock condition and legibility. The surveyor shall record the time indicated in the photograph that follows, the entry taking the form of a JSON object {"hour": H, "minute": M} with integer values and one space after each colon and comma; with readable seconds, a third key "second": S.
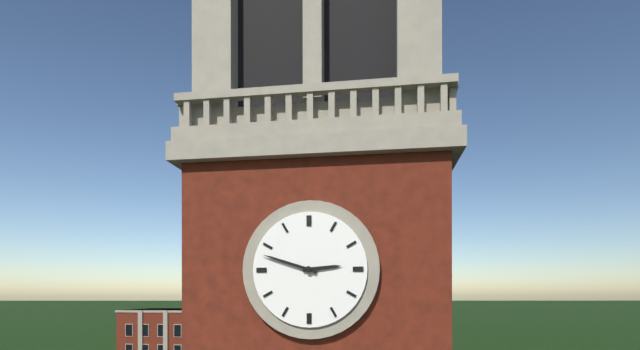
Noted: {"hour": 2, "minute": 48}
